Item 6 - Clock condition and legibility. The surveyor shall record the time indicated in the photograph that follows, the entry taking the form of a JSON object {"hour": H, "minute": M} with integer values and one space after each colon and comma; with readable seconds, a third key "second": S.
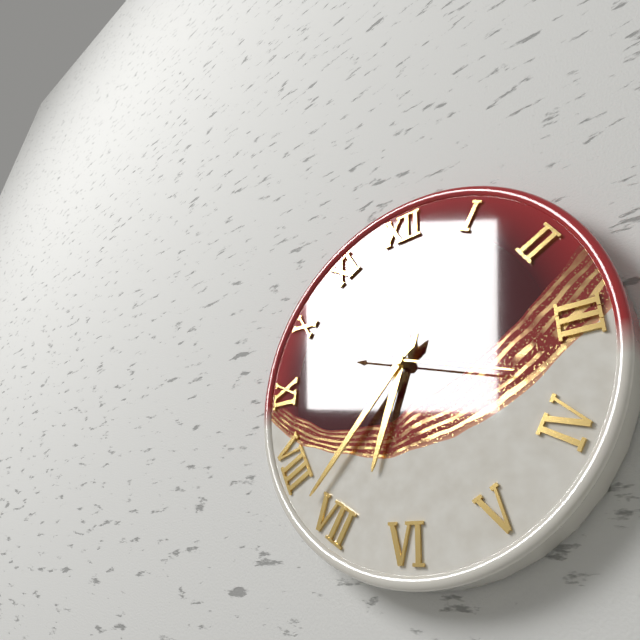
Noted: {"hour": 6, "minute": 37, "second": 18}
